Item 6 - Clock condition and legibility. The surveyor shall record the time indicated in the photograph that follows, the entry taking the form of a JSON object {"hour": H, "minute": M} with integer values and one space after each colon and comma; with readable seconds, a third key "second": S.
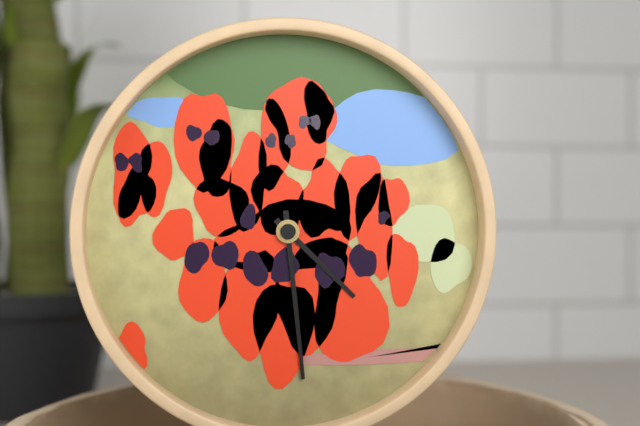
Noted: {"hour": 4, "minute": 29}
